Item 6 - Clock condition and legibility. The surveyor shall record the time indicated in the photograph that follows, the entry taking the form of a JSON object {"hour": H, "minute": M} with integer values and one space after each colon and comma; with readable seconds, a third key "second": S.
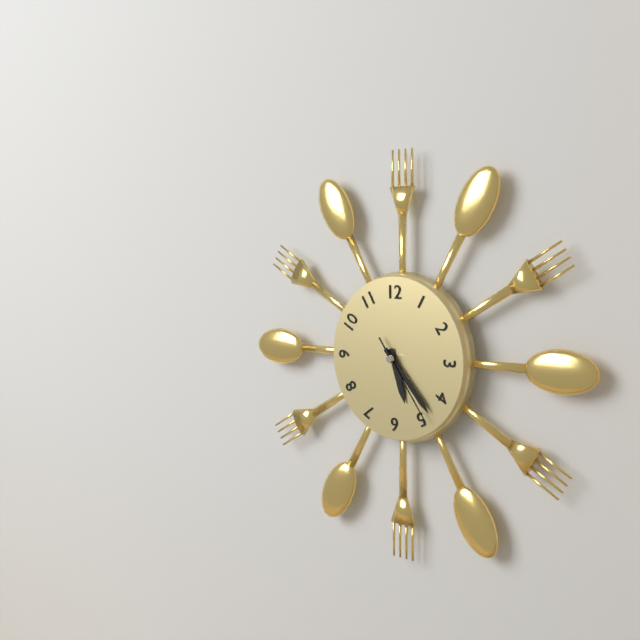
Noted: {"hour": 5, "minute": 23, "second": 24}
